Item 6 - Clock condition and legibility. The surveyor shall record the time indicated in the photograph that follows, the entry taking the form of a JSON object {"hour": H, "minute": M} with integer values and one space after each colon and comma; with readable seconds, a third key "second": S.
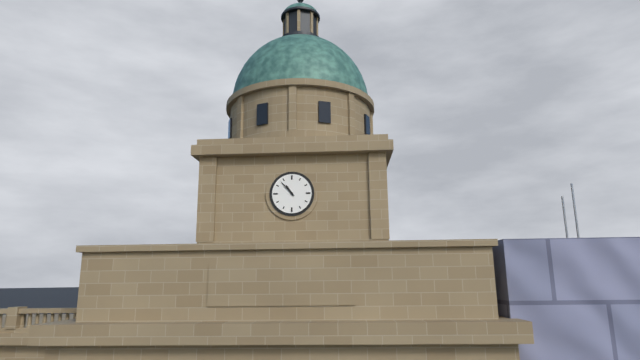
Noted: {"hour": 10, "minute": 53}
